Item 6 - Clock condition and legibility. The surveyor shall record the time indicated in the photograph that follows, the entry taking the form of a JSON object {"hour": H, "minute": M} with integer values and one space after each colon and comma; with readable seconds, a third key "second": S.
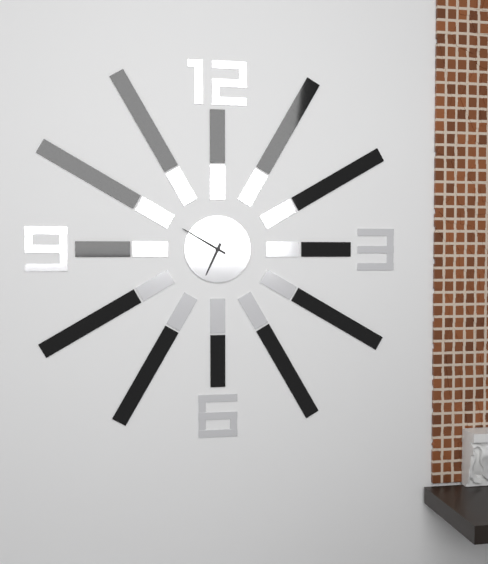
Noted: {"hour": 6, "minute": 50}
